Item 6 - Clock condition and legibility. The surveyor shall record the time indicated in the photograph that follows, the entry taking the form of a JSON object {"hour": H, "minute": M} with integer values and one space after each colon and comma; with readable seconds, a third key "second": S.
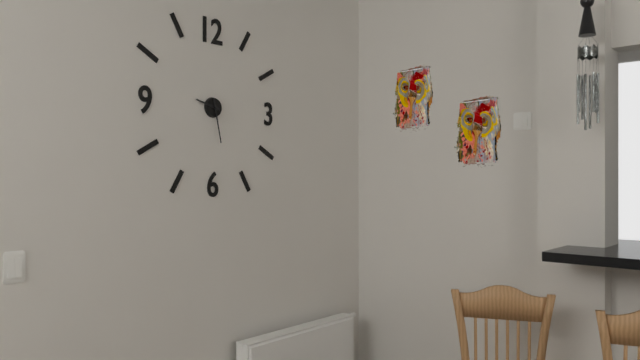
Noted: {"hour": 9, "minute": 28}
